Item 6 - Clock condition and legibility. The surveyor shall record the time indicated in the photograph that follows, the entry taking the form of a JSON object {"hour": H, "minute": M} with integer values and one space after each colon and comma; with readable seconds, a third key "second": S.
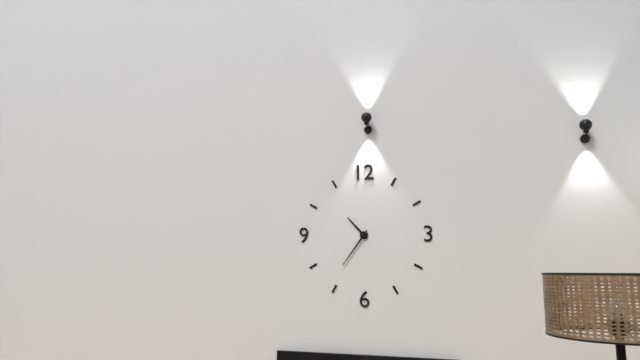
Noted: {"hour": 10, "minute": 36}
